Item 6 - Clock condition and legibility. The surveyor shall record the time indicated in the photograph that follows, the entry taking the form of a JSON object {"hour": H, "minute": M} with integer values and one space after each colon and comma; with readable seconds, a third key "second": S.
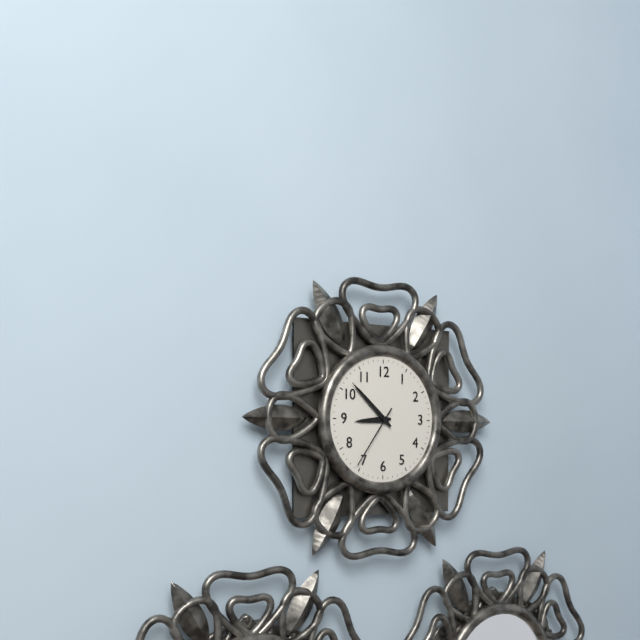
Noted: {"hour": 8, "minute": 52, "second": 36}
